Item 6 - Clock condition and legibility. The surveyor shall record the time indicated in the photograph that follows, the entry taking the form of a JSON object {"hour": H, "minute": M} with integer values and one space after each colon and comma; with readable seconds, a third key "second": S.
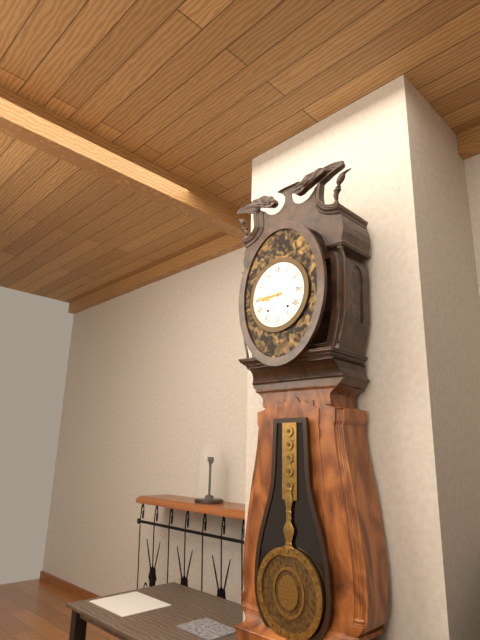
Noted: {"hour": 8, "minute": 45}
